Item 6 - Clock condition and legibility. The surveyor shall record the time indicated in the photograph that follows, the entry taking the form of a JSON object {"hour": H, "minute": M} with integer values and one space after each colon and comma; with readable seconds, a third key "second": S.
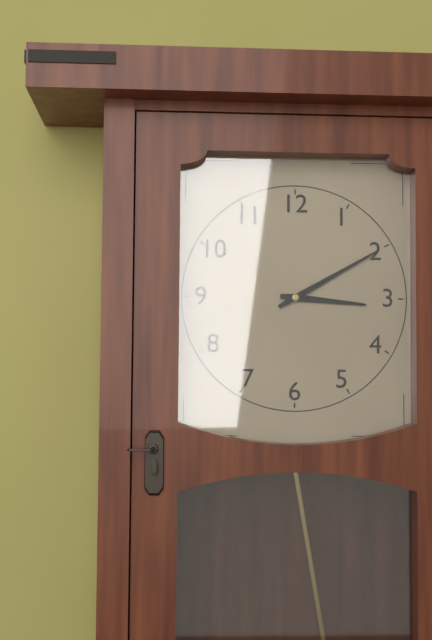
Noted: {"hour": 3, "minute": 10}
